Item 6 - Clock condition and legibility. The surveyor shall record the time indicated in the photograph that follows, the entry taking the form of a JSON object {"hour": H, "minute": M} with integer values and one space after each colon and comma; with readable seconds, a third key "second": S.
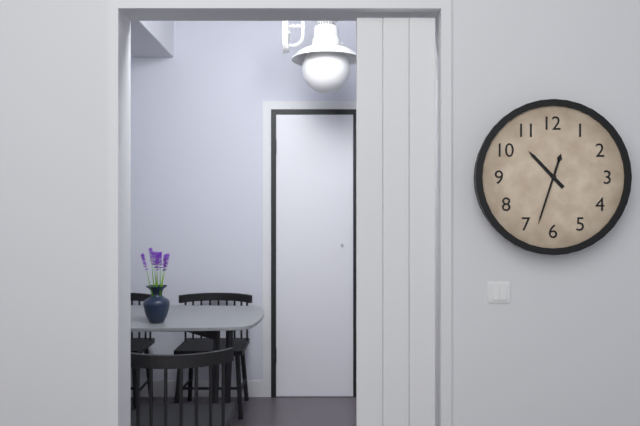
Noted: {"hour": 10, "minute": 33}
